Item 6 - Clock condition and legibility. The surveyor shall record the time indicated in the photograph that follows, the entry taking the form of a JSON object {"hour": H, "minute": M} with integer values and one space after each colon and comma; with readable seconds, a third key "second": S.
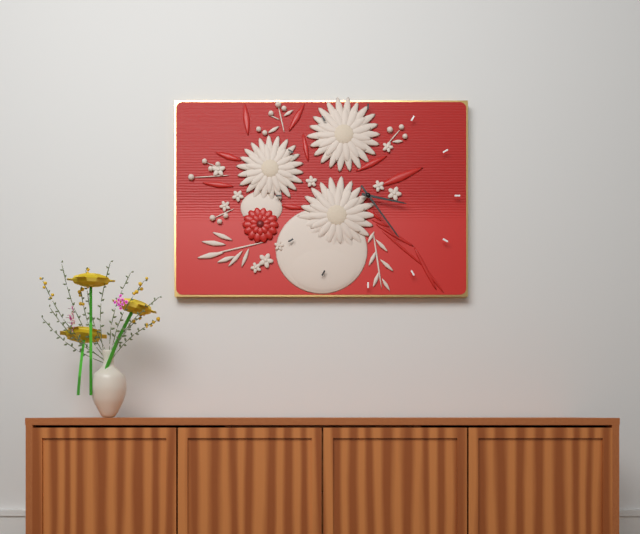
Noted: {"hour": 3, "minute": 24}
